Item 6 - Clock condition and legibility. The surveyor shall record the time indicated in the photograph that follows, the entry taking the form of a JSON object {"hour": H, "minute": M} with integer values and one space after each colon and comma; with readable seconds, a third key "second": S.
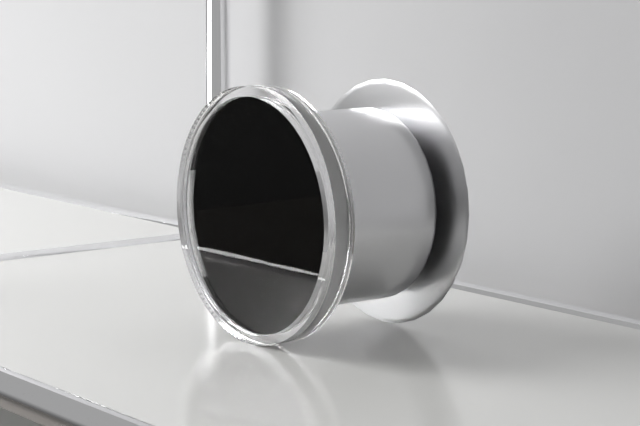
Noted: {"hour": 4, "minute": 14, "second": 9}
